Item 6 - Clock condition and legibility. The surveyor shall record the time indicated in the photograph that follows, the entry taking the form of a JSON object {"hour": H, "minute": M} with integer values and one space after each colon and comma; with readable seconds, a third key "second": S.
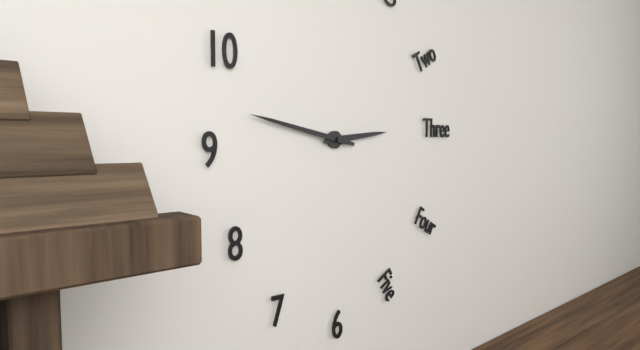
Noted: {"hour": 2, "minute": 47}
